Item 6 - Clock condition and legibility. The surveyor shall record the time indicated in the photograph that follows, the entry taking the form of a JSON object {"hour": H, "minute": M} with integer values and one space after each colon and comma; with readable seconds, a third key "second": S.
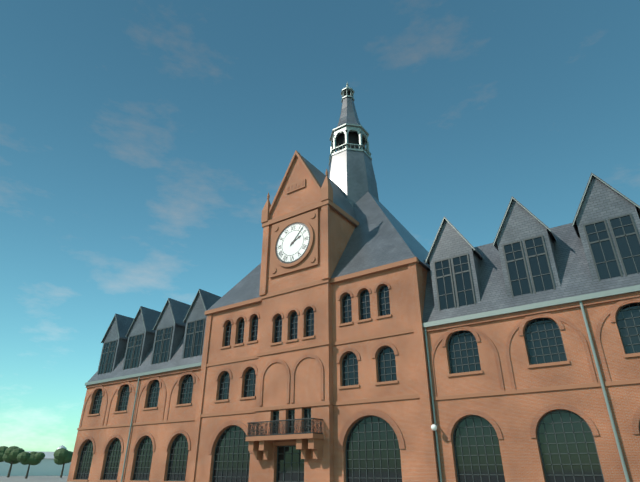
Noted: {"hour": 2, "minute": 7}
